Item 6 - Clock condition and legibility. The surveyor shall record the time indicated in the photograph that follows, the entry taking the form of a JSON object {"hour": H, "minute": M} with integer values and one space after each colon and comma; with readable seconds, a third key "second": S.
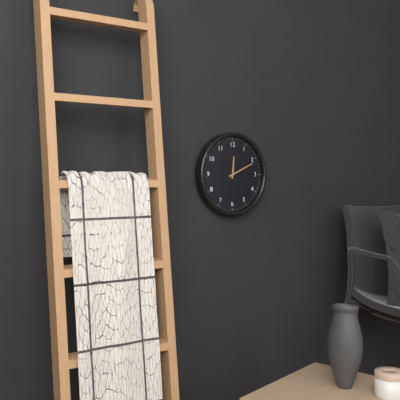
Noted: {"hour": 12, "minute": 11}
